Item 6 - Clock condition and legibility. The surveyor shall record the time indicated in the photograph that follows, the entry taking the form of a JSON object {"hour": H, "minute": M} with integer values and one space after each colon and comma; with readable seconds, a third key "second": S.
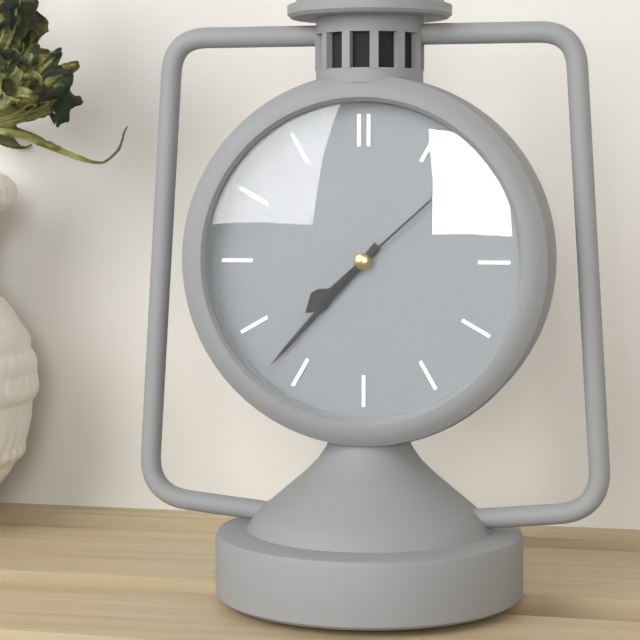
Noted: {"hour": 7, "minute": 37, "second": 8}
